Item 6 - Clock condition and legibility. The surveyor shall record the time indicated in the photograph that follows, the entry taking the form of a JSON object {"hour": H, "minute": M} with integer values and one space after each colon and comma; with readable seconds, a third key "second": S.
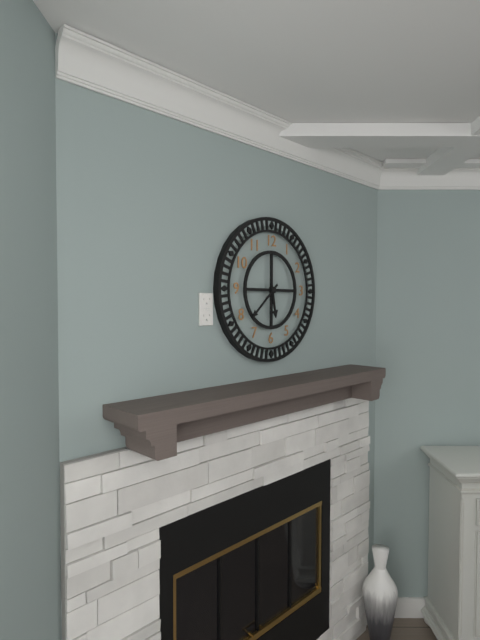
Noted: {"hour": 5, "minute": 38}
